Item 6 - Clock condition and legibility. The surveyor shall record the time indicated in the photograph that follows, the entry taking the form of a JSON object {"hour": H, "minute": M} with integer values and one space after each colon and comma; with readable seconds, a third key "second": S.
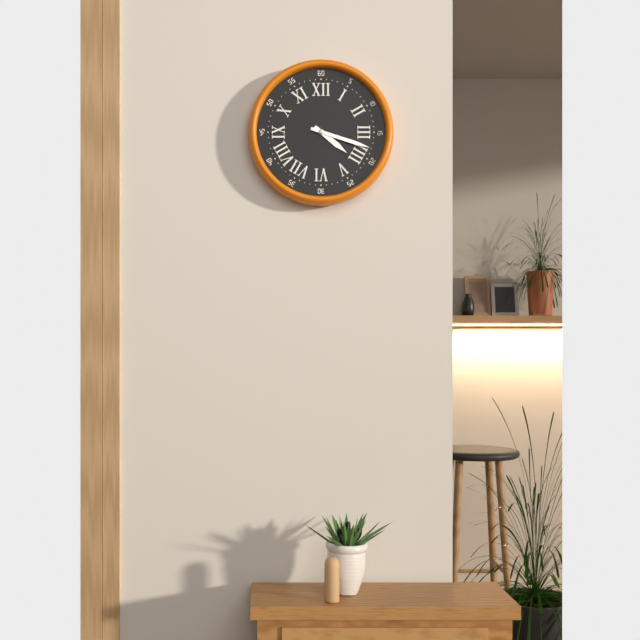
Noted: {"hour": 4, "minute": 18}
